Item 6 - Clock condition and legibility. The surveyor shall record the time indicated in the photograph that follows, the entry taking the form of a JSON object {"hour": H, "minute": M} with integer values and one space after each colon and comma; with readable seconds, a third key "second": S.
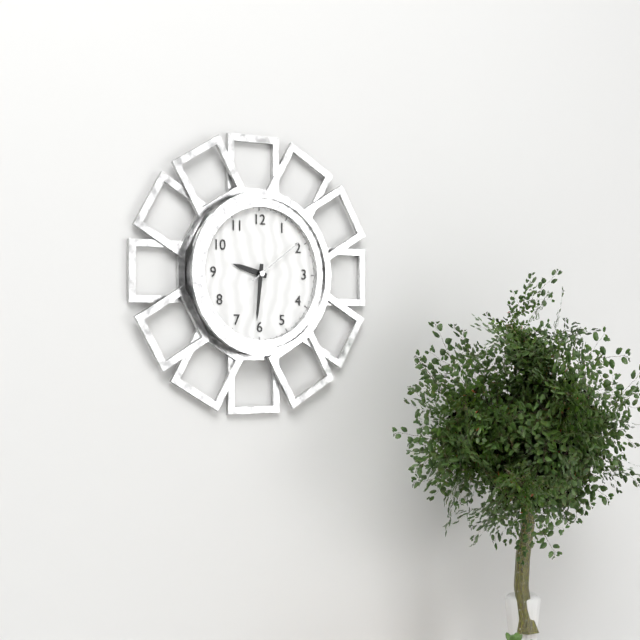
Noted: {"hour": 9, "minute": 31, "second": 9}
